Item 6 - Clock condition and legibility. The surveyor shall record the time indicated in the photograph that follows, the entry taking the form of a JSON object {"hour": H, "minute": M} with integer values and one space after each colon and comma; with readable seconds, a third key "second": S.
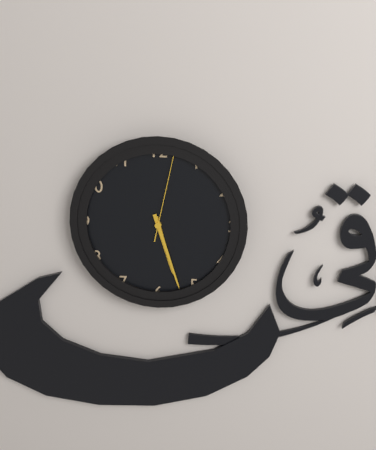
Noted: {"hour": 5, "minute": 27, "second": 2}
